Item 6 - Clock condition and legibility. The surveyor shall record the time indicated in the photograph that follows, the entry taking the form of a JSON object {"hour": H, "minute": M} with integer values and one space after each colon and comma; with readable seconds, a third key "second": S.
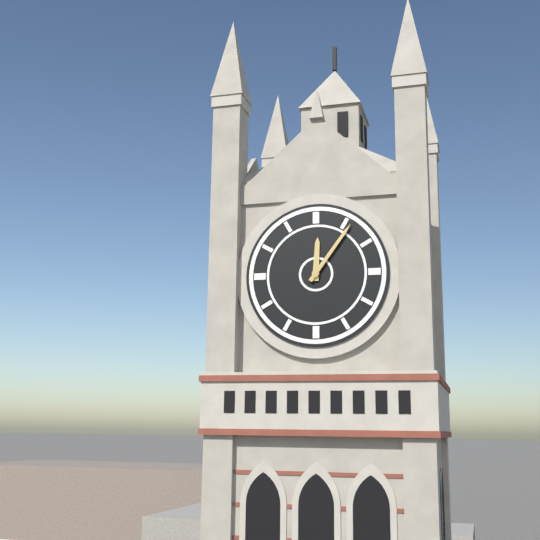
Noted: {"hour": 12, "minute": 6}
